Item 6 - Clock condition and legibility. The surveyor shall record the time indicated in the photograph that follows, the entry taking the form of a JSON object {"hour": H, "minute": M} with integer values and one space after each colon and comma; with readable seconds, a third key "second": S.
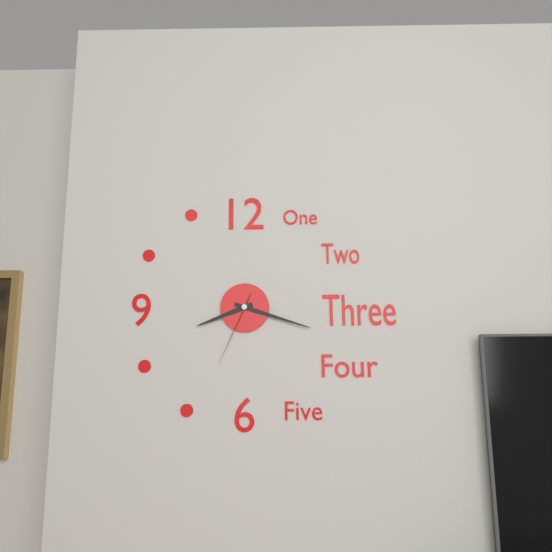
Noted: {"hour": 8, "minute": 18, "second": 34}
